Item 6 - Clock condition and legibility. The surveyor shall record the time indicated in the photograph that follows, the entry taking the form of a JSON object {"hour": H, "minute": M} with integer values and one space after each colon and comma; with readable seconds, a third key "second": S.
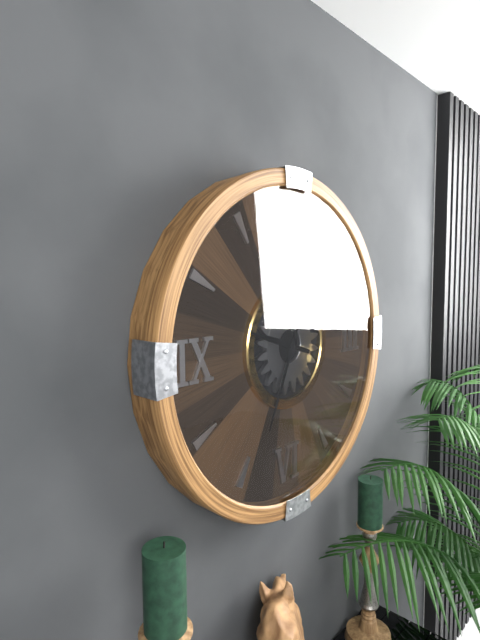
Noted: {"hour": 9, "minute": 34}
